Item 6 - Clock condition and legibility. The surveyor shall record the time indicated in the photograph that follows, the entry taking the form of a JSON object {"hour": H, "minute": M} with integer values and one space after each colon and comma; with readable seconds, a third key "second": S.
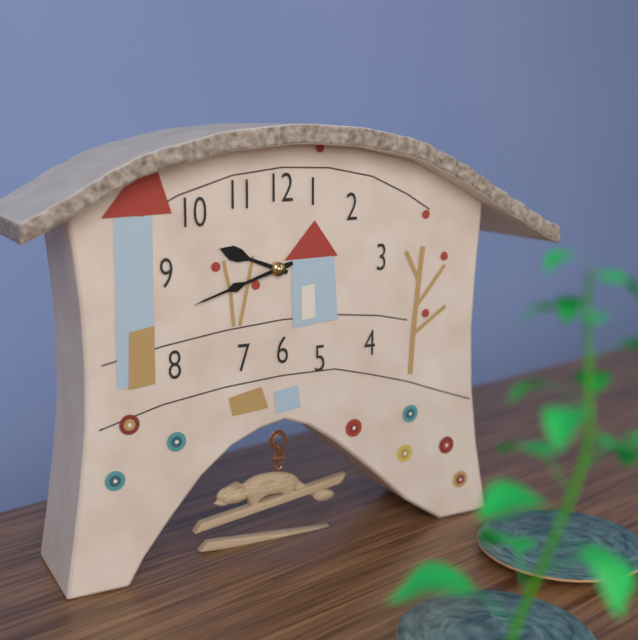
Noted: {"hour": 9, "minute": 42}
